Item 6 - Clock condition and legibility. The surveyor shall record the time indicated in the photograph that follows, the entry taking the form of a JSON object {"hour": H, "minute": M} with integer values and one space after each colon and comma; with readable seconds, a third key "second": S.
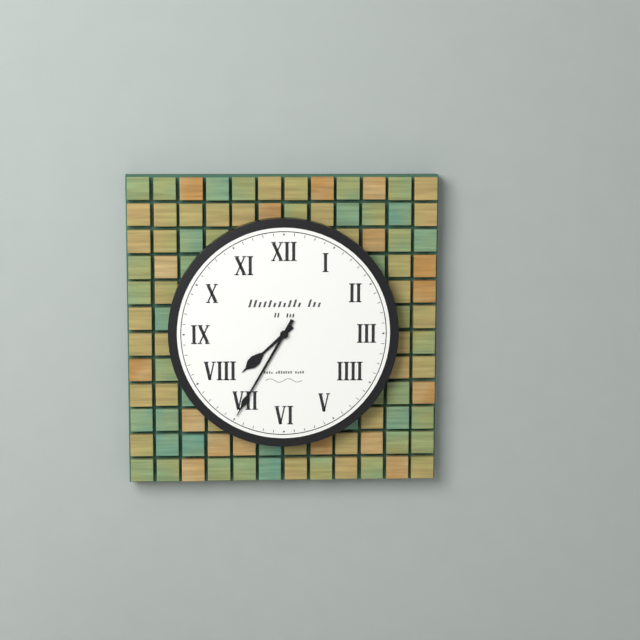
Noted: {"hour": 7, "minute": 35}
